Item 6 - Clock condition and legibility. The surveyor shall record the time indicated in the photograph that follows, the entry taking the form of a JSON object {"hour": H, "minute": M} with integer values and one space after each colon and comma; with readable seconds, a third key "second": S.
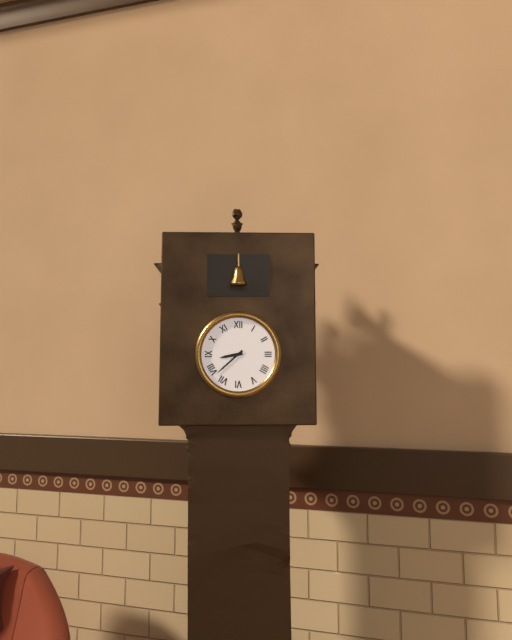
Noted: {"hour": 8, "minute": 38}
